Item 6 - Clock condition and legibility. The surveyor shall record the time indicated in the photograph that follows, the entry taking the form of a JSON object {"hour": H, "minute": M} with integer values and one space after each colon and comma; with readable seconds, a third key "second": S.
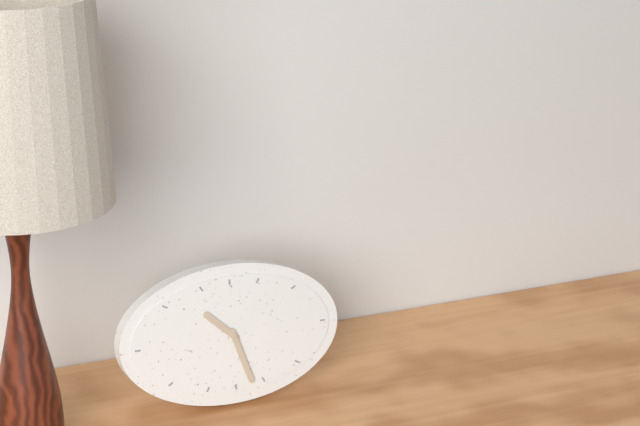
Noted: {"hour": 10, "minute": 27}
